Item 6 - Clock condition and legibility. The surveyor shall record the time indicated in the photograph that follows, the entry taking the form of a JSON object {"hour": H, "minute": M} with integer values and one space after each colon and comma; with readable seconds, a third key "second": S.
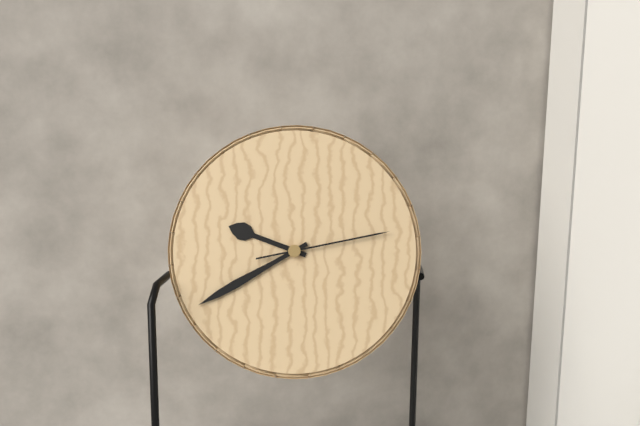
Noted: {"hour": 9, "minute": 40, "second": 13}
